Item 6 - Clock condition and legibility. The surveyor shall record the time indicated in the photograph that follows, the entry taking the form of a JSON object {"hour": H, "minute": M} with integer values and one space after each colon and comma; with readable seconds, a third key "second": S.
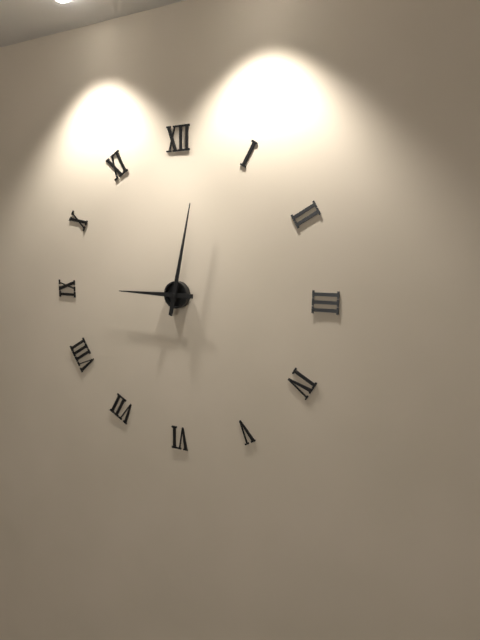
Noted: {"hour": 9, "minute": 2}
